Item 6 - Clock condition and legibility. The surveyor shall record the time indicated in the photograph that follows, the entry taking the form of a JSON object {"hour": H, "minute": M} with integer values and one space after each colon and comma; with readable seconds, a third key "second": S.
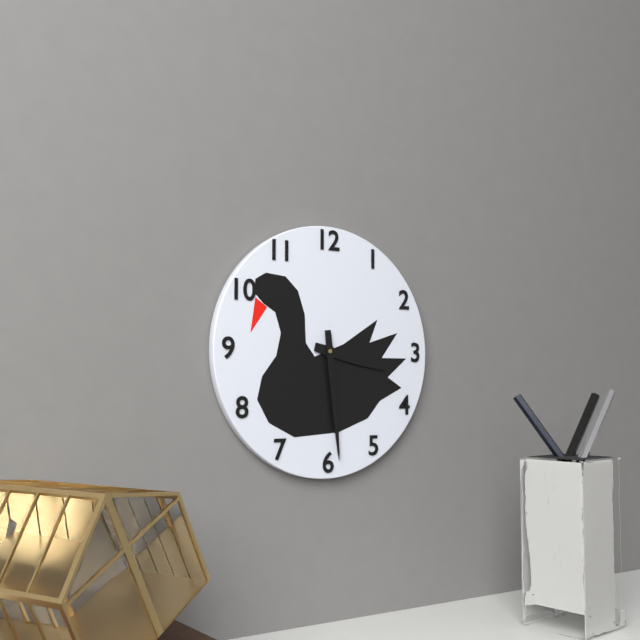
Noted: {"hour": 3, "minute": 29}
